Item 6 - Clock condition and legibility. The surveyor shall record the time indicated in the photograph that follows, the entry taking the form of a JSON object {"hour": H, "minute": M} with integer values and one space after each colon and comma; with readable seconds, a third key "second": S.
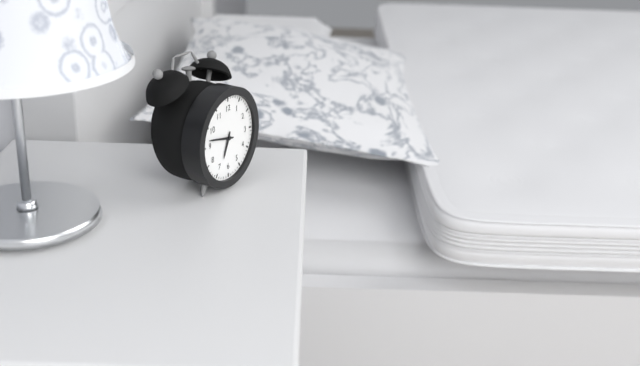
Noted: {"hour": 6, "minute": 47}
